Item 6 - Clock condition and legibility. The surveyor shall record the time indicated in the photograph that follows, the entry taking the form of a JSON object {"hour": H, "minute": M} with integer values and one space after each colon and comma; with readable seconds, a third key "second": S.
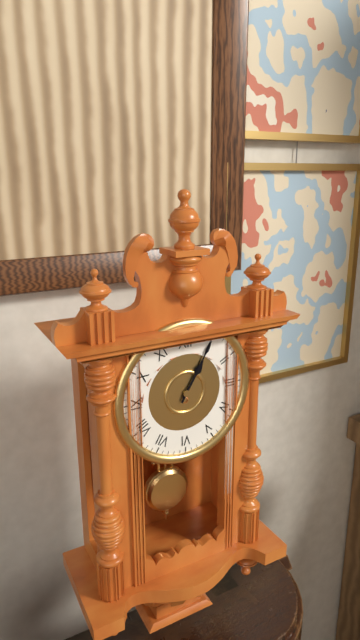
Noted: {"hour": 1, "minute": 5}
